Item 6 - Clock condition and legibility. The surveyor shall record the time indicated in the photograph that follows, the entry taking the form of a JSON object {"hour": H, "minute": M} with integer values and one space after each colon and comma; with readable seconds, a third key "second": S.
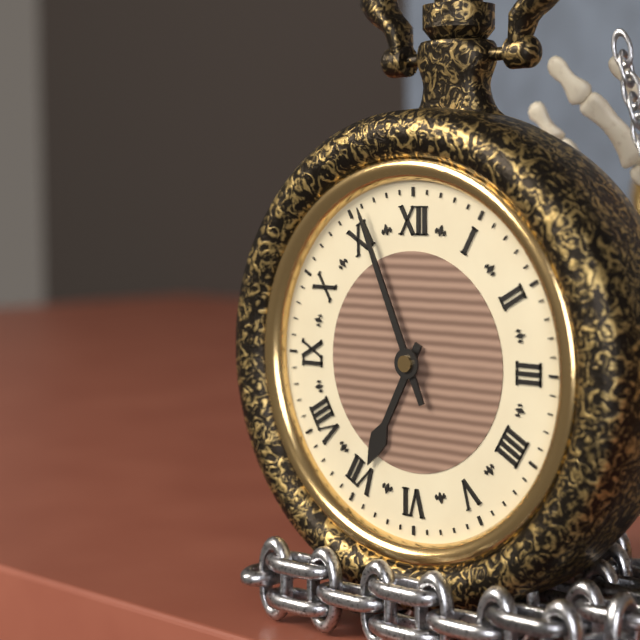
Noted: {"hour": 6, "minute": 56}
